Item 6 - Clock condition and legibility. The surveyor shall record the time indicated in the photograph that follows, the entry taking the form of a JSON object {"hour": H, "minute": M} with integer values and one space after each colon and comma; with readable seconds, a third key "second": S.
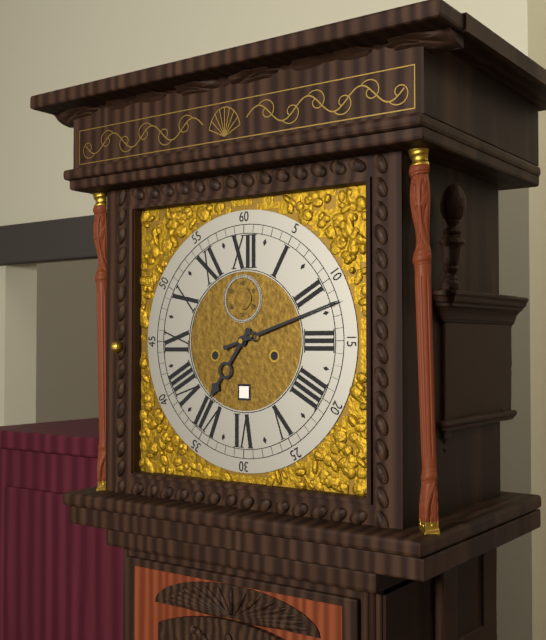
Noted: {"hour": 7, "minute": 12}
